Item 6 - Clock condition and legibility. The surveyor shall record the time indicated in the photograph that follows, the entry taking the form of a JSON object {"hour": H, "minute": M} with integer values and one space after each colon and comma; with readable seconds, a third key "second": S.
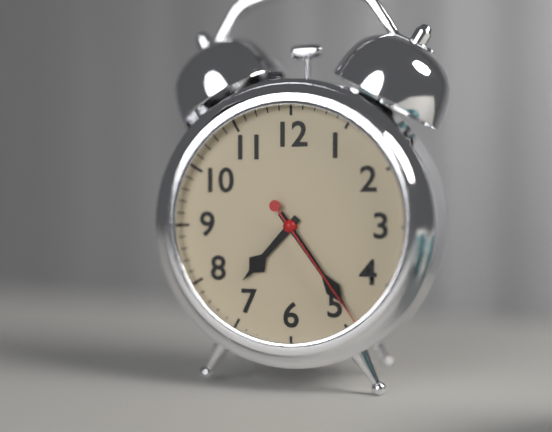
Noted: {"hour": 7, "minute": 24, "second": 24}
